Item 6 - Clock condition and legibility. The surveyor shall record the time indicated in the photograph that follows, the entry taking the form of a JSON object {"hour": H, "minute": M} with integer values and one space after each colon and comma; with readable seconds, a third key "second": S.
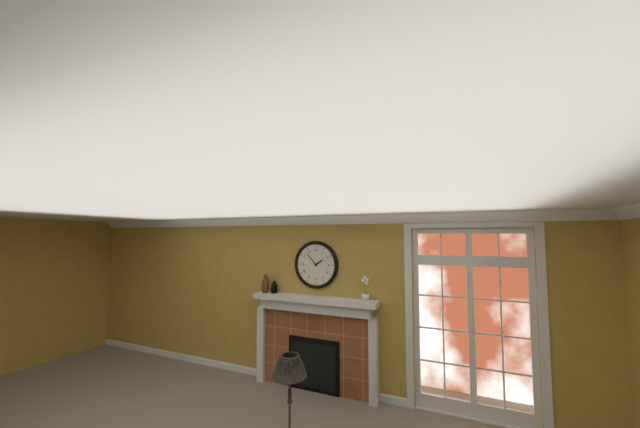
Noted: {"hour": 1, "minute": 53}
